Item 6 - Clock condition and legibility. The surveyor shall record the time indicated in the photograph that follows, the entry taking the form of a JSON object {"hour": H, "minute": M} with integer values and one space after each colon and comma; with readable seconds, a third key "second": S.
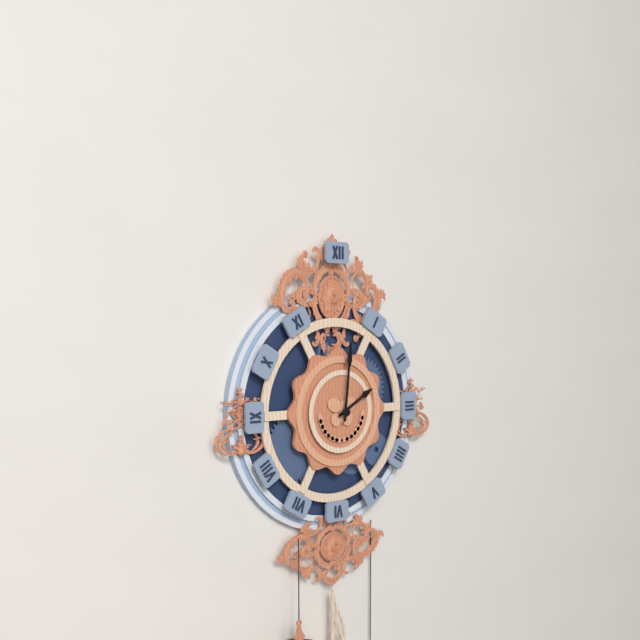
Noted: {"hour": 2, "minute": 1}
